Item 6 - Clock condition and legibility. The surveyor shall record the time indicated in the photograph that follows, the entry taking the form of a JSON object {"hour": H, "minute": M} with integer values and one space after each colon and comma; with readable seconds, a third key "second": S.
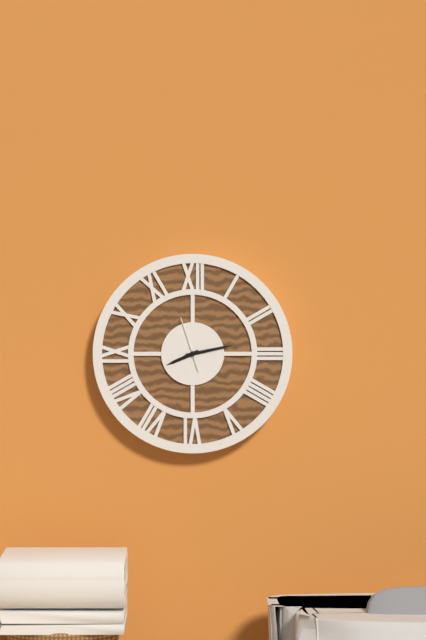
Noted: {"hour": 8, "minute": 13}
